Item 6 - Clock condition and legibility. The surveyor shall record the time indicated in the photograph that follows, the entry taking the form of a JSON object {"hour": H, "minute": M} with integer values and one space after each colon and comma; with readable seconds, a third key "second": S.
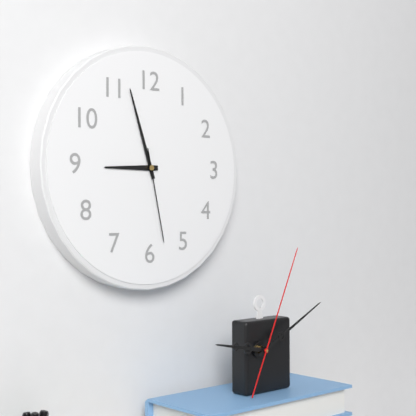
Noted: {"hour": 8, "minute": 57, "second": 28}
